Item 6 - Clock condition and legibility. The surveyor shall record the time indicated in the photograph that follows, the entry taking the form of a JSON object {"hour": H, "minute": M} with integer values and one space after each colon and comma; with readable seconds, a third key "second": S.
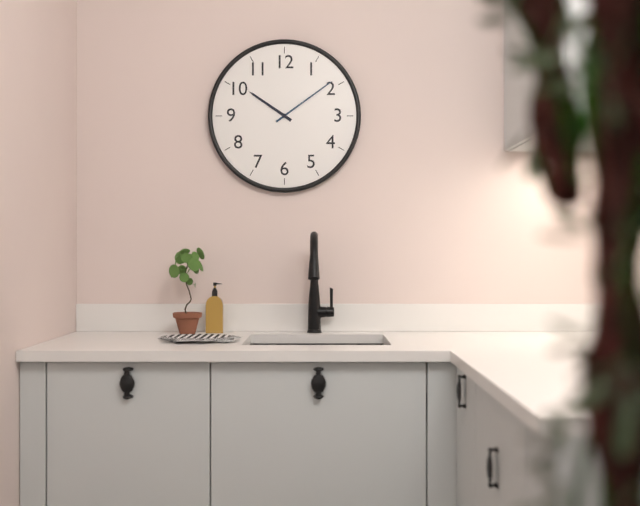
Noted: {"hour": 10, "minute": 9}
